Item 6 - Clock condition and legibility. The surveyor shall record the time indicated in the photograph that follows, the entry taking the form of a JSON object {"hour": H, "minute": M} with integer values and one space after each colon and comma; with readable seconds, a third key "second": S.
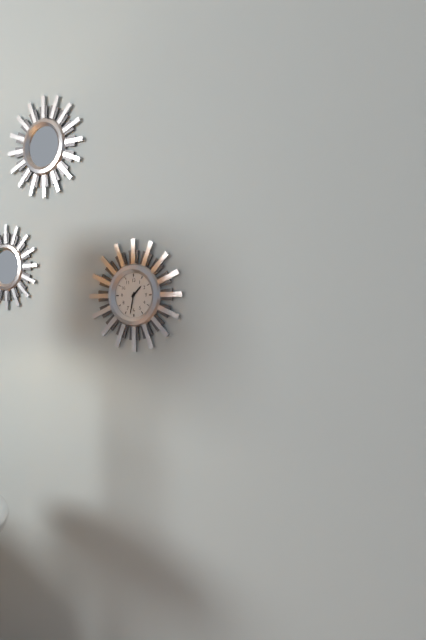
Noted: {"hour": 1, "minute": 32}
